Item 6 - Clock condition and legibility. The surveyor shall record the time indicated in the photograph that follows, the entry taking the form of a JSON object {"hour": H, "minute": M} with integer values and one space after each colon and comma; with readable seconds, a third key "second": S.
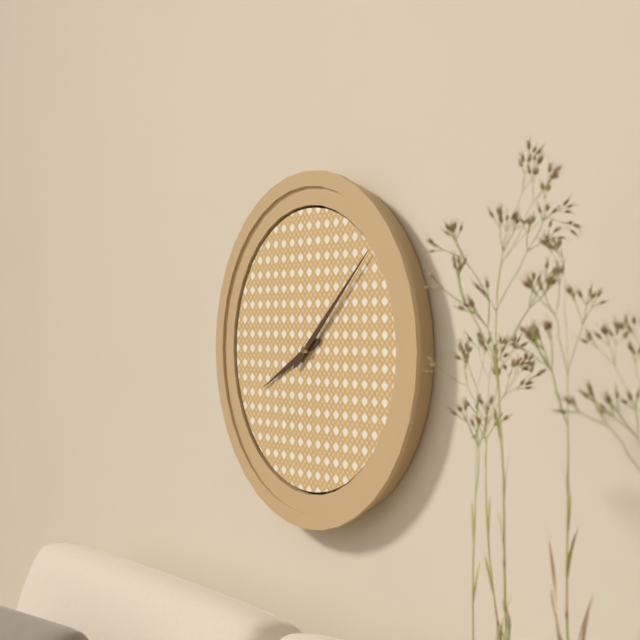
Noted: {"hour": 8, "minute": 8}
